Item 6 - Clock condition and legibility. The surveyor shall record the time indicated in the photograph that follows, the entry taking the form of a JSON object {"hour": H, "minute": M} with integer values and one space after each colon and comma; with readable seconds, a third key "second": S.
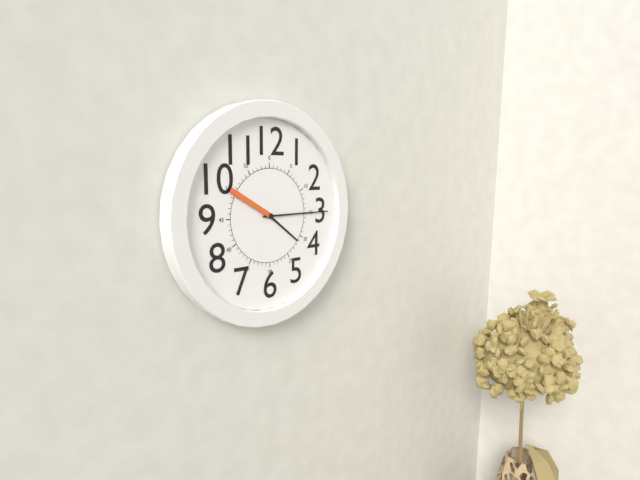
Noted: {"hour": 4, "minute": 15, "second": 50}
